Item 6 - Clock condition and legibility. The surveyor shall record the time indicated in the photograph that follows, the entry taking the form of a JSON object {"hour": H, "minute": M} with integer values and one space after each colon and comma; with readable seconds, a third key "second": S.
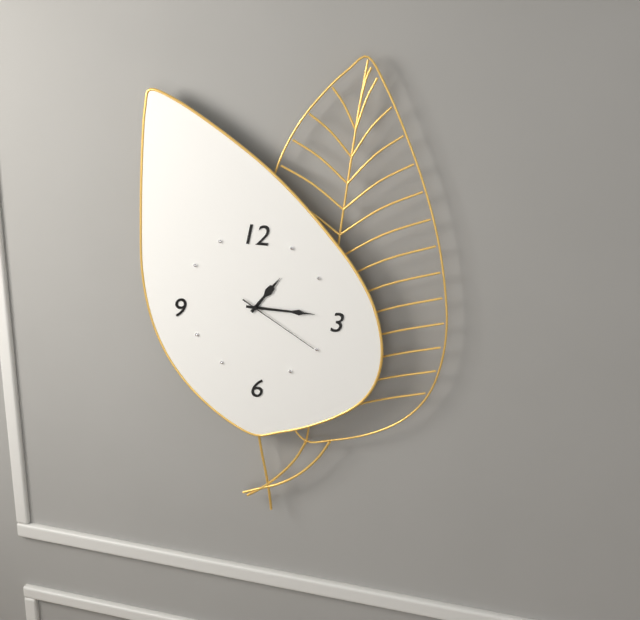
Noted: {"hour": 1, "minute": 15, "second": 20}
